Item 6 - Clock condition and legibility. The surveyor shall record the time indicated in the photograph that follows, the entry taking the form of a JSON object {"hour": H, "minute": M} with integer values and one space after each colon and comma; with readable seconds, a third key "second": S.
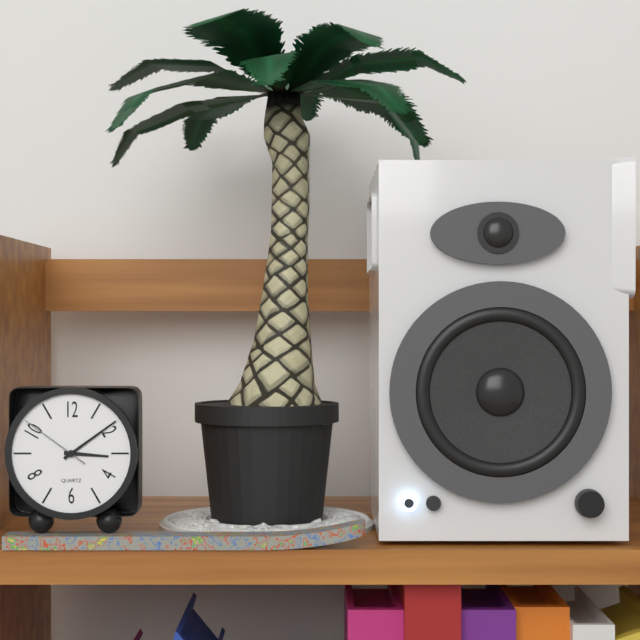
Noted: {"hour": 3, "minute": 9, "second": 51}
